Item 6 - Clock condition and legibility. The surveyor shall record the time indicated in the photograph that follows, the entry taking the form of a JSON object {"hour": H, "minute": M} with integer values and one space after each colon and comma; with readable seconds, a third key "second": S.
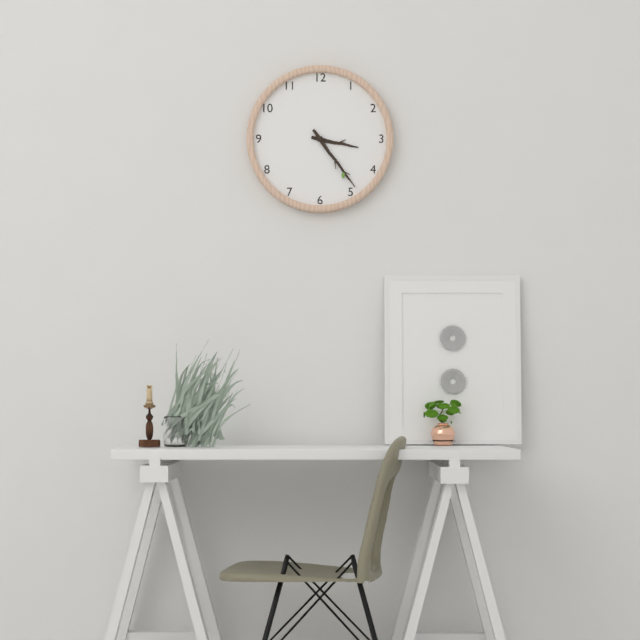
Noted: {"hour": 3, "minute": 24}
